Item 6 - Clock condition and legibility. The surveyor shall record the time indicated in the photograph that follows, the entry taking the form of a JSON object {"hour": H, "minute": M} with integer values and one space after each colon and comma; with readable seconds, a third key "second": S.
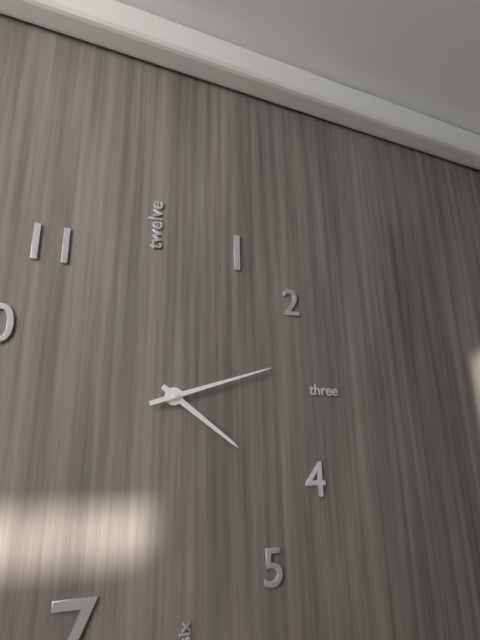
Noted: {"hour": 4, "minute": 12}
